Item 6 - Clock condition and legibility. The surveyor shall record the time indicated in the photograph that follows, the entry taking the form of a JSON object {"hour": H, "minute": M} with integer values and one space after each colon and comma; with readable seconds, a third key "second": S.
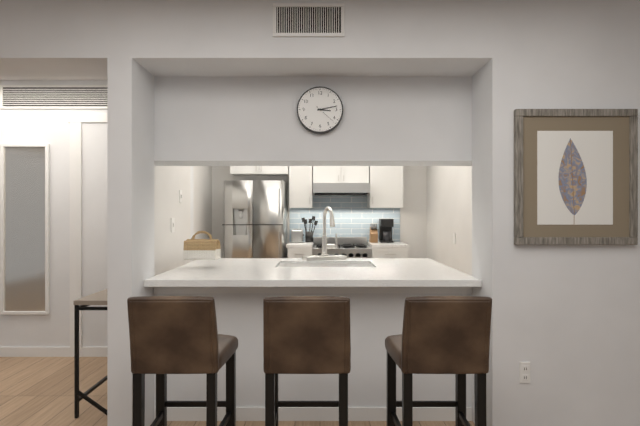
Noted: {"hour": 3, "minute": 13}
